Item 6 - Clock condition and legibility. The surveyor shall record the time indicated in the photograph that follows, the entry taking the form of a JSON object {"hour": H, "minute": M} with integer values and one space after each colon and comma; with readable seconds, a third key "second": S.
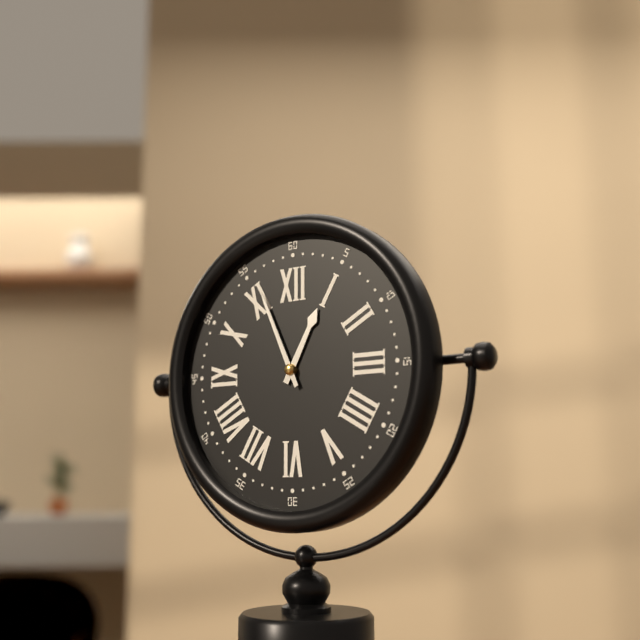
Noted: {"hour": 12, "minute": 56}
